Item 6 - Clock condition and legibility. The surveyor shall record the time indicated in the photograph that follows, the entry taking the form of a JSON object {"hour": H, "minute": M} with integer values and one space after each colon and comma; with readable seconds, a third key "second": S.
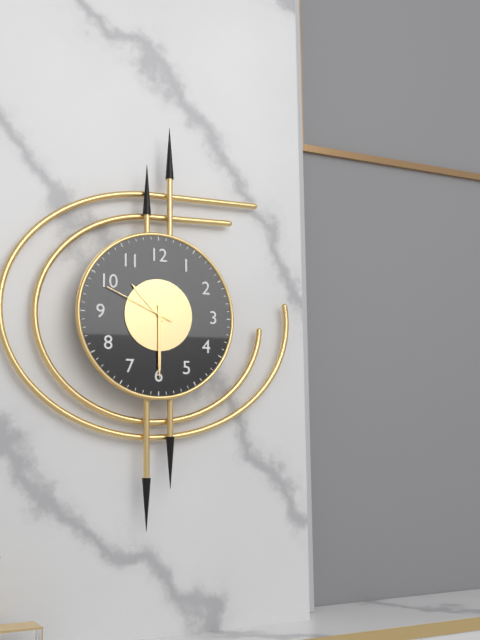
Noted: {"hour": 10, "minute": 30, "second": 49}
